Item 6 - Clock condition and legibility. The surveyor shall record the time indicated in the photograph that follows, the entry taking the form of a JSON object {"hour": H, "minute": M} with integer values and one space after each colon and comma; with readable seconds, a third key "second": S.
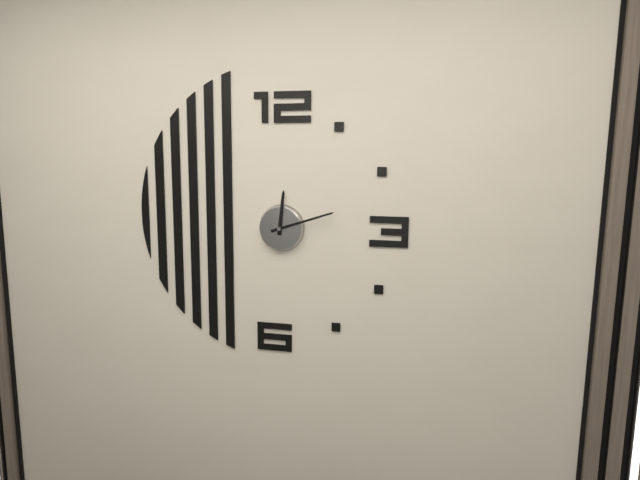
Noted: {"hour": 12, "minute": 12}
